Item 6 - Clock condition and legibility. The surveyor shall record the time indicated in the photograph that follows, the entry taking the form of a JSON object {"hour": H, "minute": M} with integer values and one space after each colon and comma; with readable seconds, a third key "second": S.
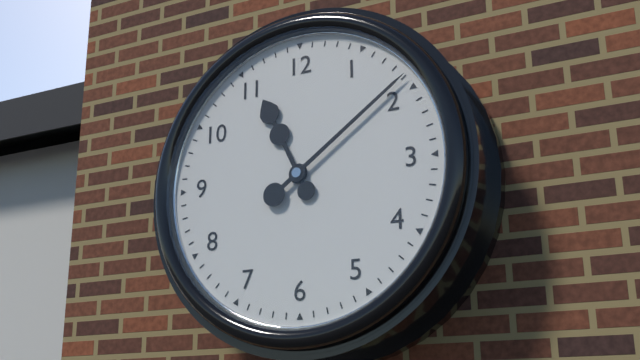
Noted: {"hour": 11, "minute": 9}
